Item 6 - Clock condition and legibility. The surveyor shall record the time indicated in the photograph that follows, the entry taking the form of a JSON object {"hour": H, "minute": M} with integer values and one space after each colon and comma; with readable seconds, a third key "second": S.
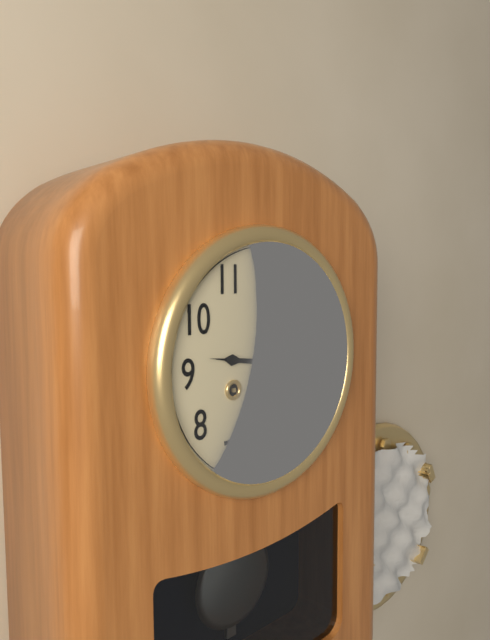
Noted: {"hour": 9, "minute": 18}
